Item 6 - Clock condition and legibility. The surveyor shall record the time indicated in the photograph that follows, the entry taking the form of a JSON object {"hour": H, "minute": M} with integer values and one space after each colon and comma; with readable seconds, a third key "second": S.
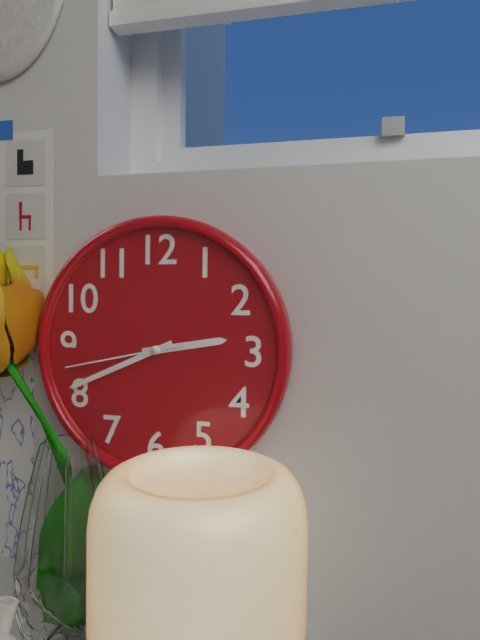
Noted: {"hour": 2, "minute": 41, "second": 43}
